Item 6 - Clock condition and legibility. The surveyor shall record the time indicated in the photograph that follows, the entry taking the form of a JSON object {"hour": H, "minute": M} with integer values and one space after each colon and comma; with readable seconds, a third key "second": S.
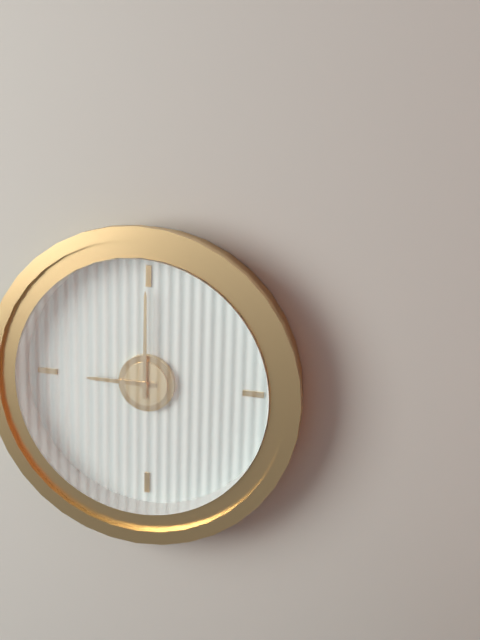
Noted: {"hour": 9, "minute": 0}
